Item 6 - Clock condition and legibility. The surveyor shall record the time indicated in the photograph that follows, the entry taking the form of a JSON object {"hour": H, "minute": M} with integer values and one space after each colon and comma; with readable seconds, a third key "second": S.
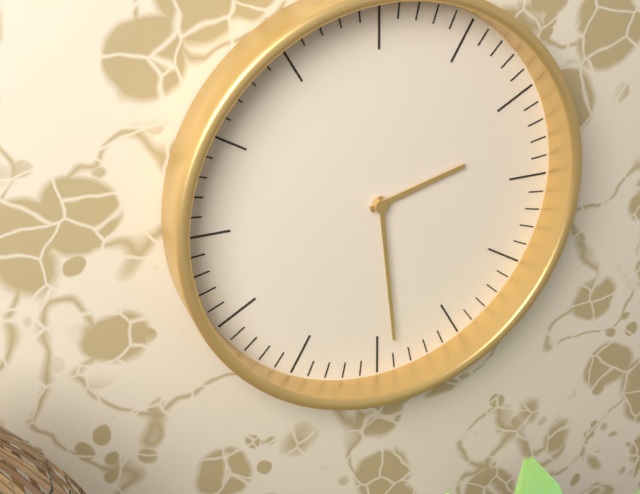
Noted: {"hour": 2, "minute": 29}
